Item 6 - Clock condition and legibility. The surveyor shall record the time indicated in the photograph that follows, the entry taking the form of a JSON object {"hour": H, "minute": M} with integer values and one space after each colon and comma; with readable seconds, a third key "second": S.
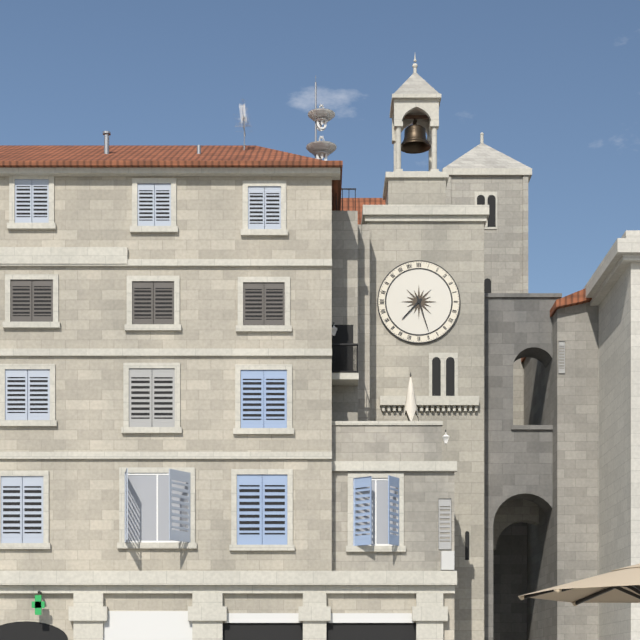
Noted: {"hour": 7, "minute": 27}
